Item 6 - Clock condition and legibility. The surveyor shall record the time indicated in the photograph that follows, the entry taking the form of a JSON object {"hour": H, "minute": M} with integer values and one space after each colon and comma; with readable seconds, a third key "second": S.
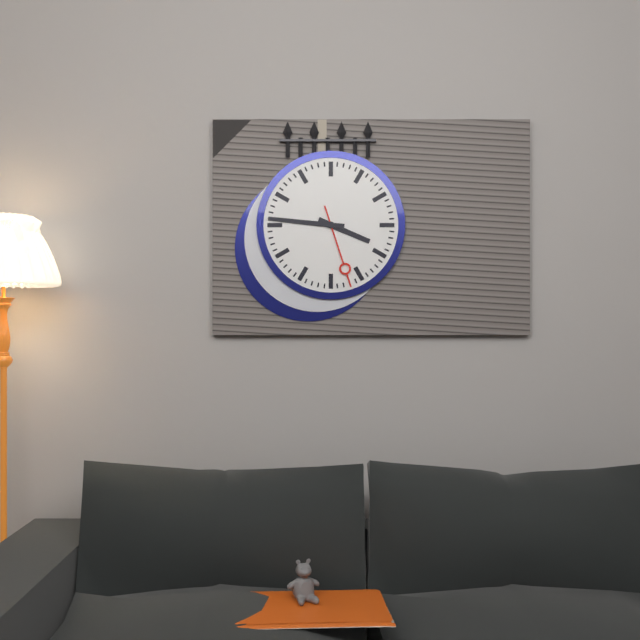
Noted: {"hour": 3, "minute": 46, "second": 27}
